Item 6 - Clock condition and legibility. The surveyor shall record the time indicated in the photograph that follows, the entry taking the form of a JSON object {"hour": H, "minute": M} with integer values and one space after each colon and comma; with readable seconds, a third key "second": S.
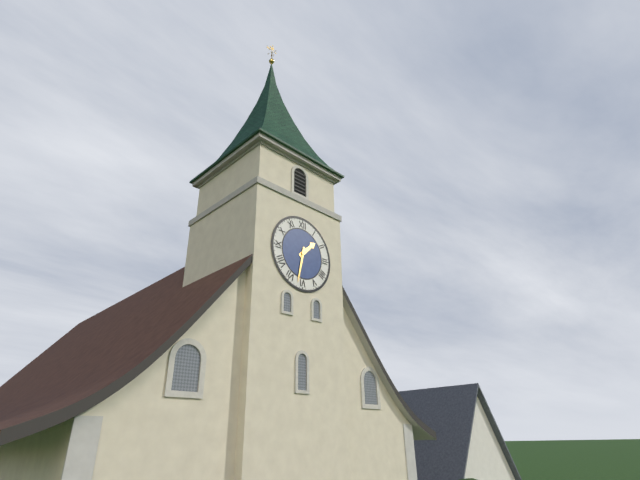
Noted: {"hour": 1, "minute": 32}
